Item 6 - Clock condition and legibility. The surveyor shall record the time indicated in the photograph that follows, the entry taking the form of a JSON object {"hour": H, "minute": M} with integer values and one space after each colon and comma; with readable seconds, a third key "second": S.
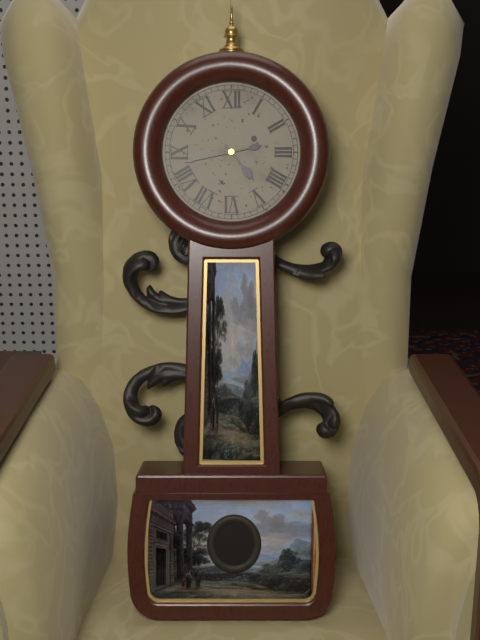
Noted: {"hour": 4, "minute": 43}
